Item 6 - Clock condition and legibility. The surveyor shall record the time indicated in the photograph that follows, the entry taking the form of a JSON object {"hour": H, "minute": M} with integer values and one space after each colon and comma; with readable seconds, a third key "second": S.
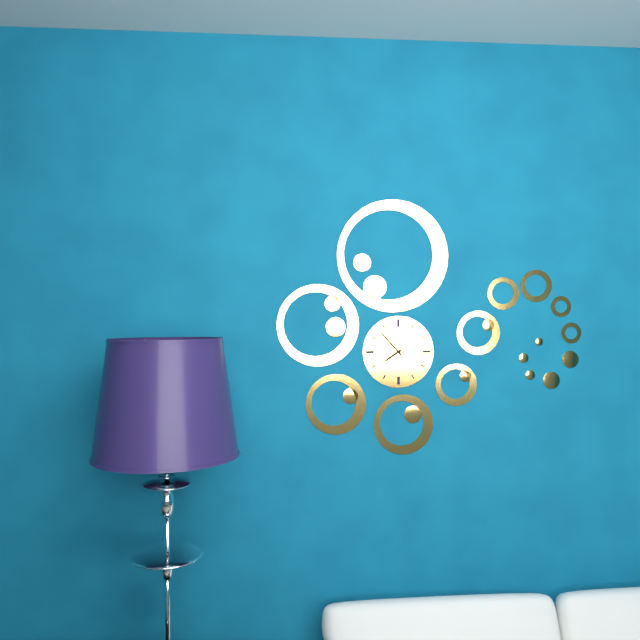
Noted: {"hour": 7, "minute": 53}
